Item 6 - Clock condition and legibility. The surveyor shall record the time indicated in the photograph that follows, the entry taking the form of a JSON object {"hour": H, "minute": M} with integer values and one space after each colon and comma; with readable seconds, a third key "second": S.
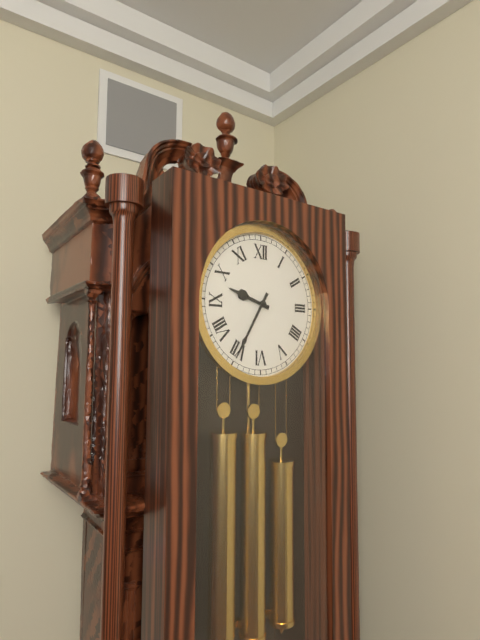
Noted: {"hour": 9, "minute": 35}
